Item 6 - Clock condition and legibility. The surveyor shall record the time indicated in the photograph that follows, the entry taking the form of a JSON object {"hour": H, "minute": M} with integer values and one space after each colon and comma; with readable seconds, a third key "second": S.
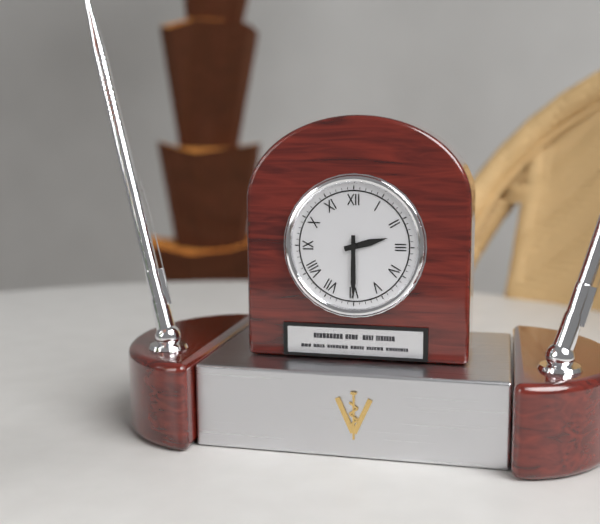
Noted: {"hour": 2, "minute": 30}
